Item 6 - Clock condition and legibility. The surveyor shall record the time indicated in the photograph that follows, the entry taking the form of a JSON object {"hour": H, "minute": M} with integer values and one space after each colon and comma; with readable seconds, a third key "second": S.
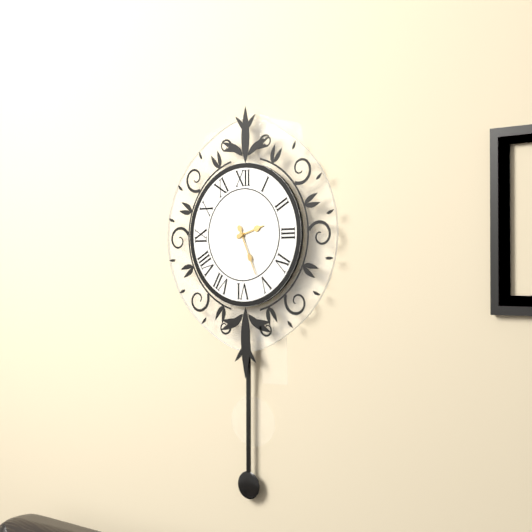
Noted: {"hour": 2, "minute": 26}
